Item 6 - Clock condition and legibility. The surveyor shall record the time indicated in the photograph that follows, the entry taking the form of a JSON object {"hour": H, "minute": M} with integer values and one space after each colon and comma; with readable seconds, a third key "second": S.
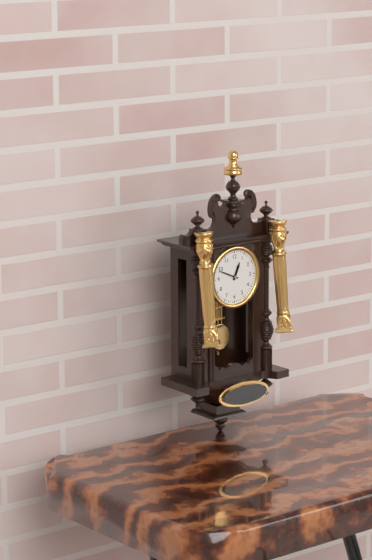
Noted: {"hour": 12, "minute": 49}
